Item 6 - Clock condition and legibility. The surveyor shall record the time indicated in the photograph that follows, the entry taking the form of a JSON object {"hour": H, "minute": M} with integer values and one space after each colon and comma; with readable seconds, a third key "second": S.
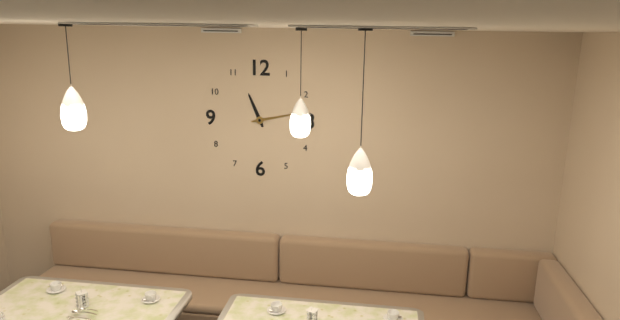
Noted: {"hour": 11, "minute": 13}
